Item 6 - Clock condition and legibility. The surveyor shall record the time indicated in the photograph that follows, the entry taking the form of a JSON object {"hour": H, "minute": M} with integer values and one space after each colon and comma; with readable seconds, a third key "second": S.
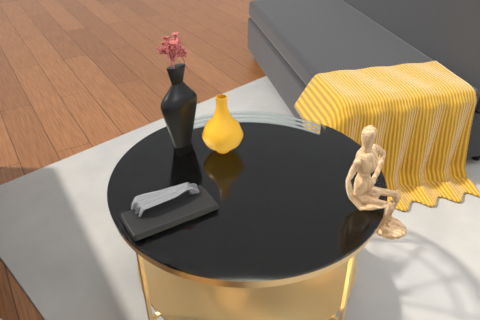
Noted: {"hour": 4, "minute": 15}
